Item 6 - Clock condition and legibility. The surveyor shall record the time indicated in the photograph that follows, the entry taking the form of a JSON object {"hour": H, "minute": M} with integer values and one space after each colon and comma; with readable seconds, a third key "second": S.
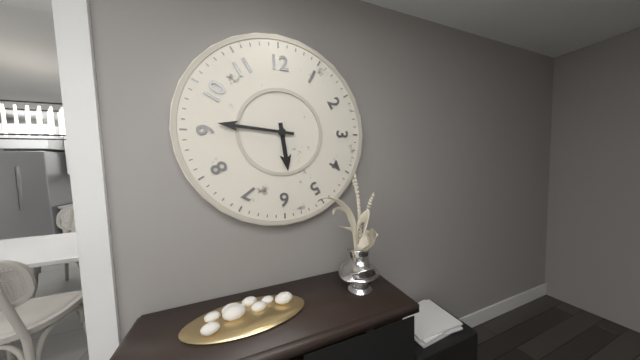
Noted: {"hour": 5, "minute": 46}
